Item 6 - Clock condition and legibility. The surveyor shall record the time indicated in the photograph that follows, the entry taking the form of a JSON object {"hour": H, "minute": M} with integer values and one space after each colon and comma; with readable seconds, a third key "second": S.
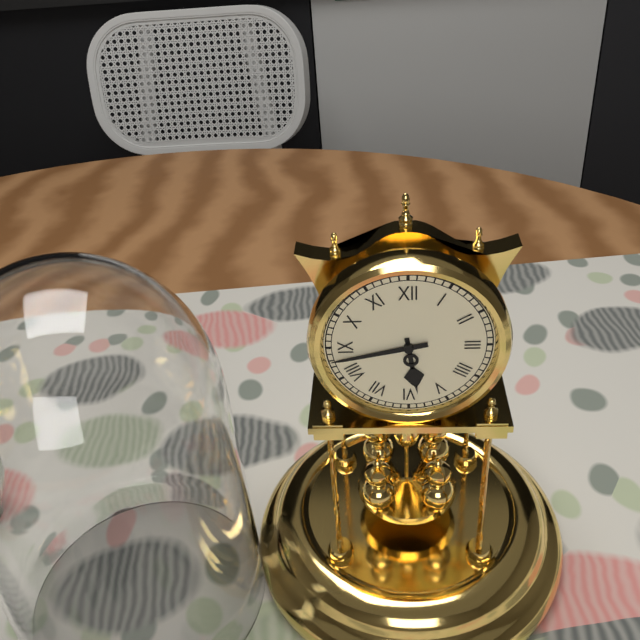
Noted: {"hour": 5, "minute": 43}
